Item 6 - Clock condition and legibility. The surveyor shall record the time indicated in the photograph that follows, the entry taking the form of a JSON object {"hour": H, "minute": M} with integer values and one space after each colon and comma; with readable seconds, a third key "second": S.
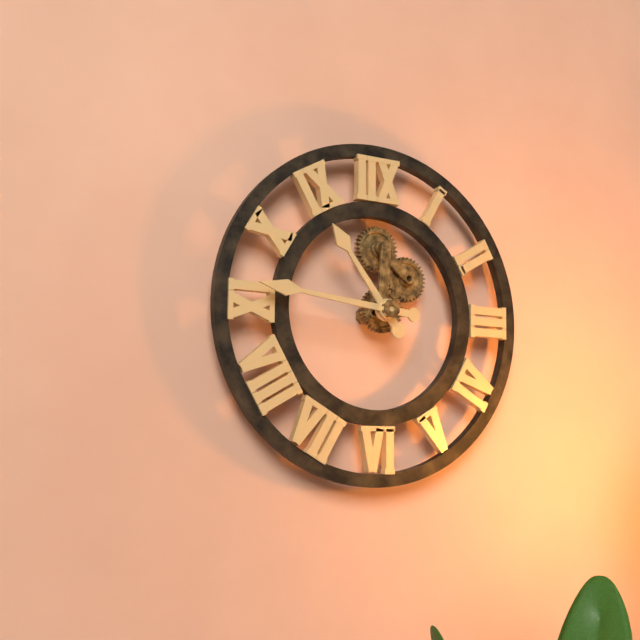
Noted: {"hour": 10, "minute": 46}
